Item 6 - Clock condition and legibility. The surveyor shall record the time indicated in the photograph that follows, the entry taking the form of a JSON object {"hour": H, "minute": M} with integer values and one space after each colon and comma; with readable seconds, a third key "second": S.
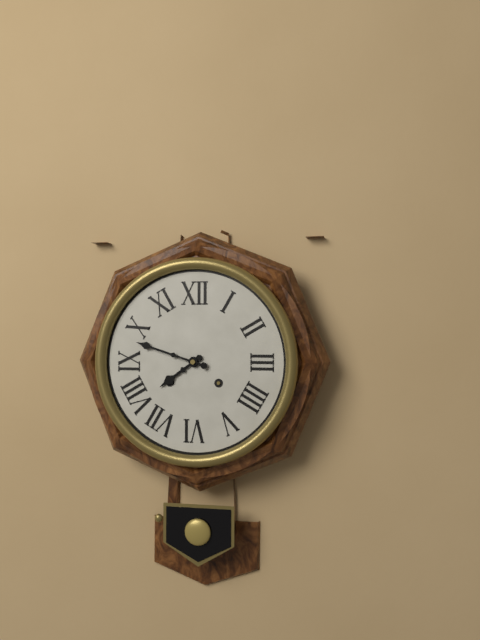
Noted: {"hour": 7, "minute": 48}
